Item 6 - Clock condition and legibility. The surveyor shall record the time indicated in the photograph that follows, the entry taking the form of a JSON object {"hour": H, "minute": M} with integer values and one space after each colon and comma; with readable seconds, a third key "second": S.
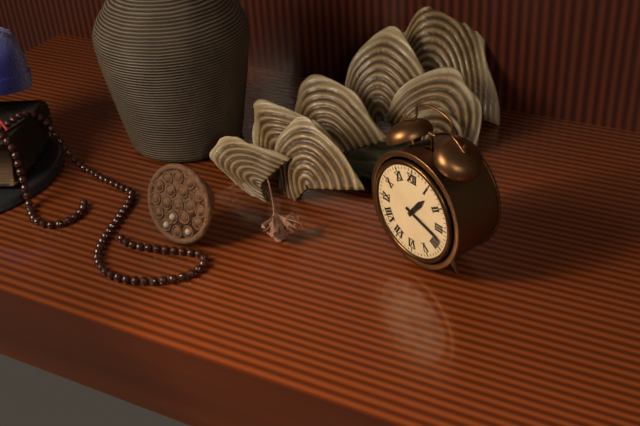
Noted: {"hour": 1, "minute": 18}
